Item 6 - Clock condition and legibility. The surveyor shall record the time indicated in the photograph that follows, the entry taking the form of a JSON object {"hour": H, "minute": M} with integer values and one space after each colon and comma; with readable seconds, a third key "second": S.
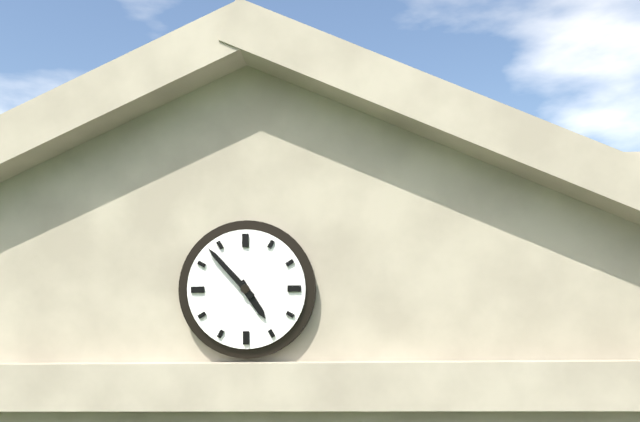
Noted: {"hour": 4, "minute": 53}
